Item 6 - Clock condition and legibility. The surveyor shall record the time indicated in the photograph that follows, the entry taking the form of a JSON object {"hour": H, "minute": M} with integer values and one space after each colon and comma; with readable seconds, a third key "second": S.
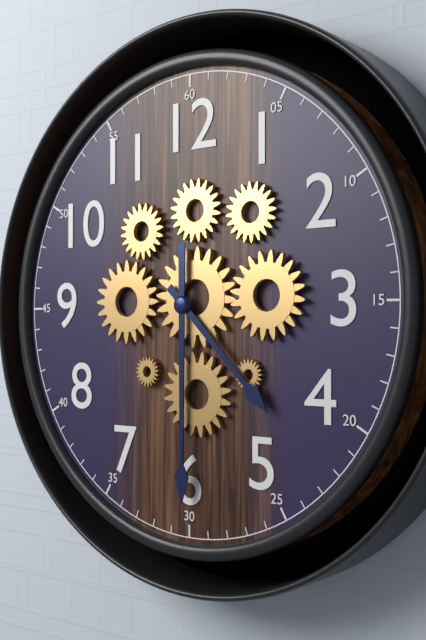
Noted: {"hour": 4, "minute": 30}
